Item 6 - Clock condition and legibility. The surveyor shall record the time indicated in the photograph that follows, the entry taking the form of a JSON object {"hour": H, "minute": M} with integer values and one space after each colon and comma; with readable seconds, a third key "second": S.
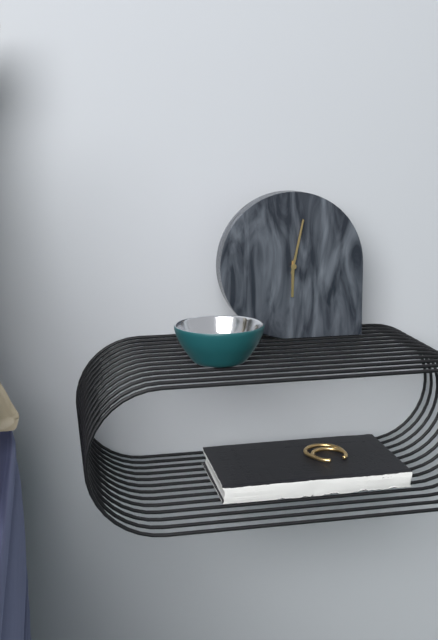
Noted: {"hour": 6, "minute": 2}
